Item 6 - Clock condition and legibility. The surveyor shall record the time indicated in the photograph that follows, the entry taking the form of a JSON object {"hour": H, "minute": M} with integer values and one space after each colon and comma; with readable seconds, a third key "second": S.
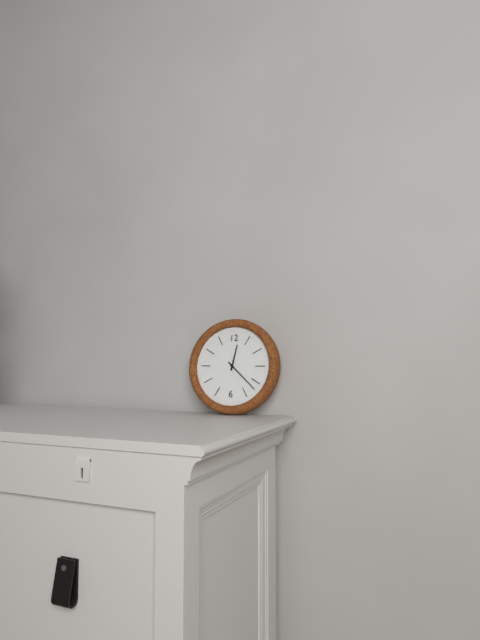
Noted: {"hour": 12, "minute": 22}
